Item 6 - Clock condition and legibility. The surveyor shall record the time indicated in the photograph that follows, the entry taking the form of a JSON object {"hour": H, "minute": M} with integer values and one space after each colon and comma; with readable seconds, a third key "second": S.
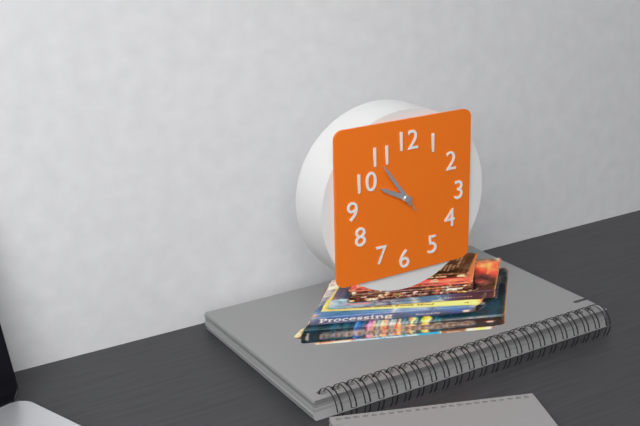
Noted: {"hour": 9, "minute": 54}
